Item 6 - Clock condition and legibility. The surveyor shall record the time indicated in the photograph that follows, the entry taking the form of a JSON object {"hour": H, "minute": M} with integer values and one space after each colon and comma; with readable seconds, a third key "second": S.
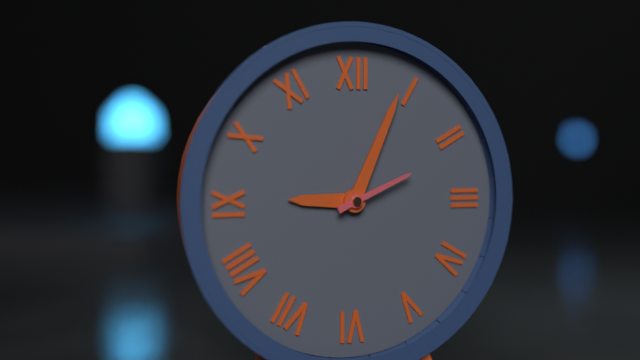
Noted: {"hour": 9, "minute": 4, "second": 11}
